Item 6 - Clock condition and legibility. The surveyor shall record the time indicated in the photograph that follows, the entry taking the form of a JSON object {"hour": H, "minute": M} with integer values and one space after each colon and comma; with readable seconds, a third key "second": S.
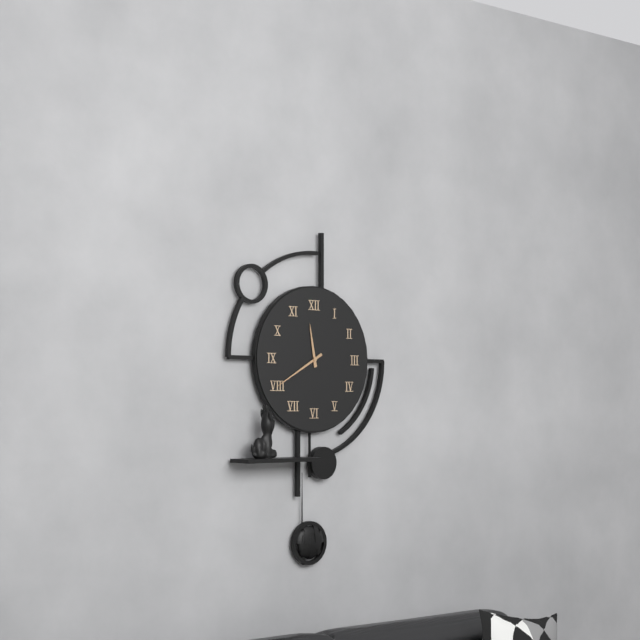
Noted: {"hour": 11, "minute": 40}
